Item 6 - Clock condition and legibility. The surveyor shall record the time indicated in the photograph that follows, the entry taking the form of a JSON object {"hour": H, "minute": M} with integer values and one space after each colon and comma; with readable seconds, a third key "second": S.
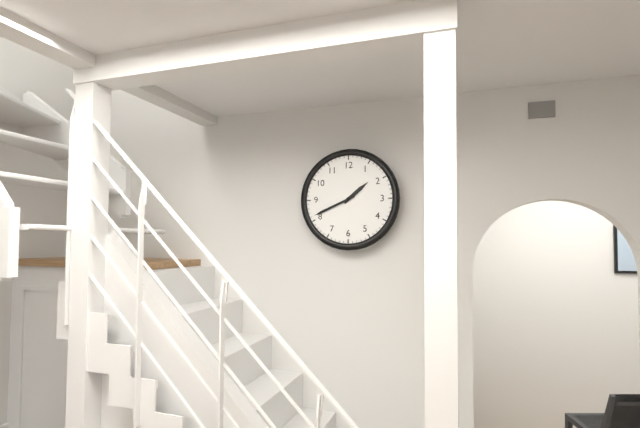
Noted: {"hour": 1, "minute": 41}
